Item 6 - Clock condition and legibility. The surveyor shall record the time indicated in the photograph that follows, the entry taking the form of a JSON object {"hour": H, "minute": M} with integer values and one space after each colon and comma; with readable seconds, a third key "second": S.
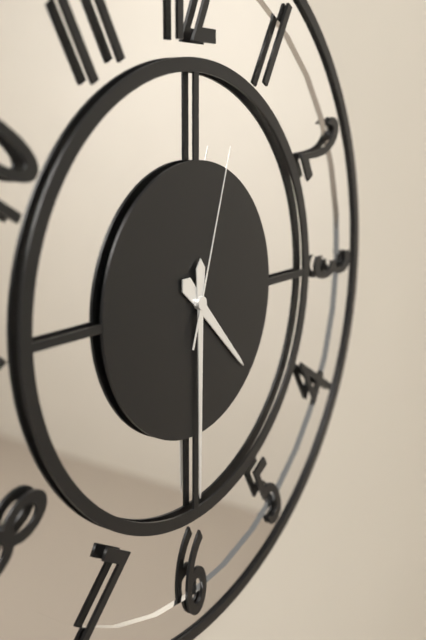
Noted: {"hour": 4, "minute": 30, "second": 3}
